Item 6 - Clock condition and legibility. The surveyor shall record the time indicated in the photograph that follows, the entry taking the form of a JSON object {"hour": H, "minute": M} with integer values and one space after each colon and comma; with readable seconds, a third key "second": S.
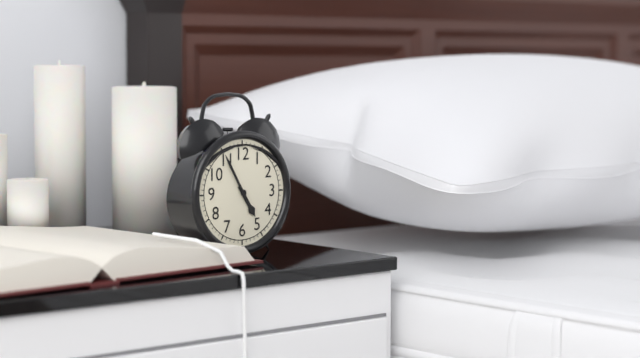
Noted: {"hour": 4, "minute": 55}
